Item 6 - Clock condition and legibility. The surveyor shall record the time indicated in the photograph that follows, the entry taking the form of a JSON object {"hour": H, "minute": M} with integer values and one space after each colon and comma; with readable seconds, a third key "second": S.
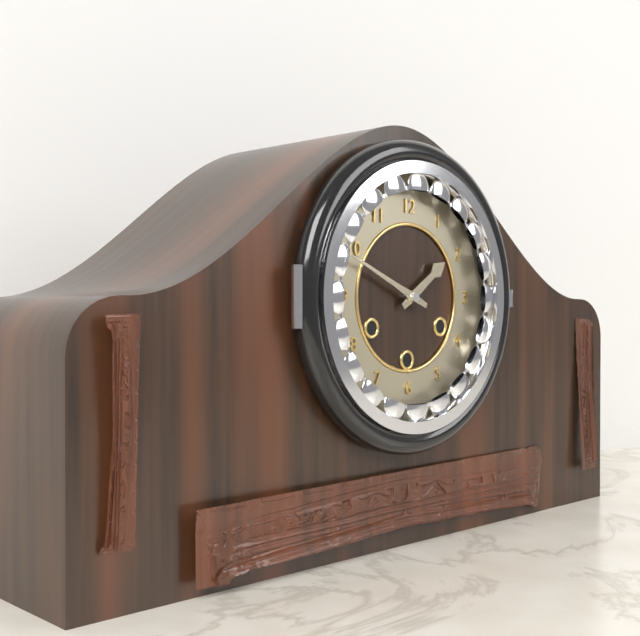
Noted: {"hour": 1, "minute": 49}
